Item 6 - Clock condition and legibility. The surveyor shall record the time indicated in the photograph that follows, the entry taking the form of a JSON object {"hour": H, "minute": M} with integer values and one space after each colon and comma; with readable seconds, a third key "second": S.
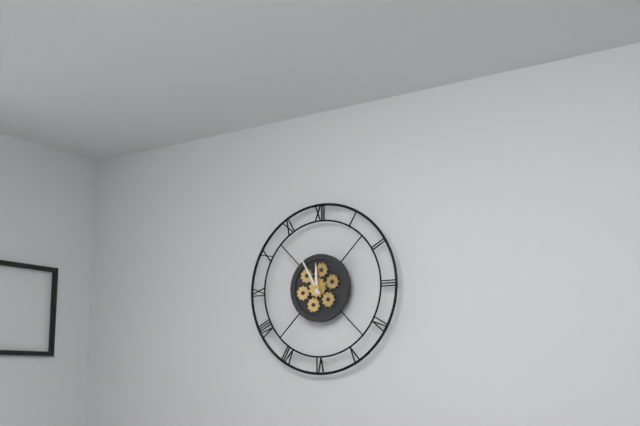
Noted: {"hour": 11, "minute": 55}
